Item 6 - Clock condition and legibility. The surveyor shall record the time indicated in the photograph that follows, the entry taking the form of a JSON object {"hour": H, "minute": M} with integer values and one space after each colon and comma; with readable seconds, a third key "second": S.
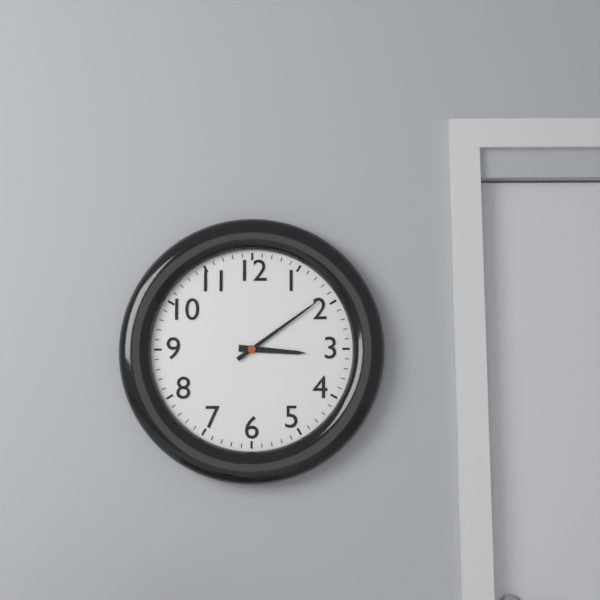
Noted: {"hour": 3, "minute": 9}
